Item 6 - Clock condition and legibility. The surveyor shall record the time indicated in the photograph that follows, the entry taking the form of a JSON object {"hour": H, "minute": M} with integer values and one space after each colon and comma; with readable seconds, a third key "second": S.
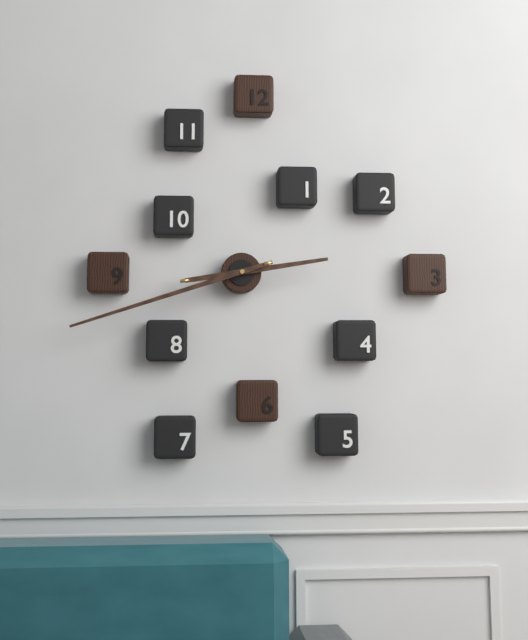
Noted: {"hour": 2, "minute": 42}
